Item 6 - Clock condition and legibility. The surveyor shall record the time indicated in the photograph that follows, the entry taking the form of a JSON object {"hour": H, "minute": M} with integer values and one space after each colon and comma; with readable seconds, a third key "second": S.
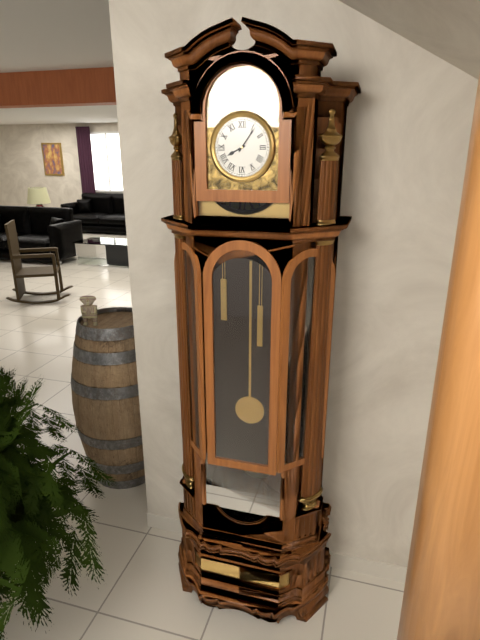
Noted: {"hour": 8, "minute": 6}
